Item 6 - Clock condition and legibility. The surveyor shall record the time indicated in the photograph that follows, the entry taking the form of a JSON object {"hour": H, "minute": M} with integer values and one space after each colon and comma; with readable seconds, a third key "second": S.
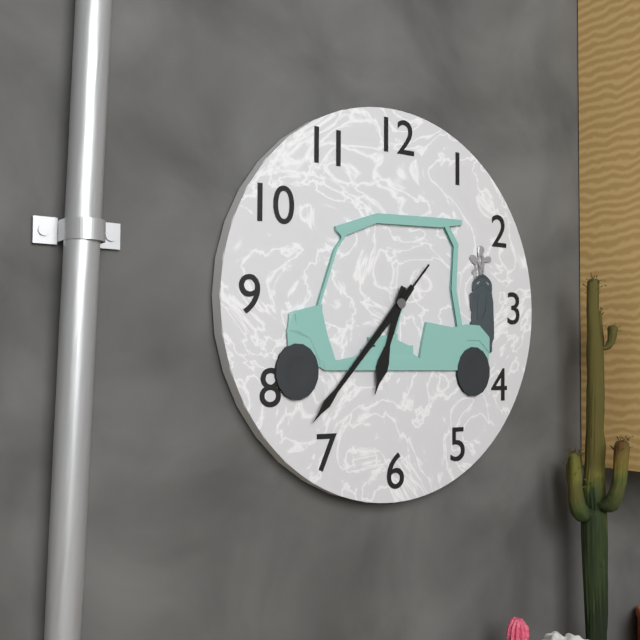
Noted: {"hour": 6, "minute": 37, "second": 37}
